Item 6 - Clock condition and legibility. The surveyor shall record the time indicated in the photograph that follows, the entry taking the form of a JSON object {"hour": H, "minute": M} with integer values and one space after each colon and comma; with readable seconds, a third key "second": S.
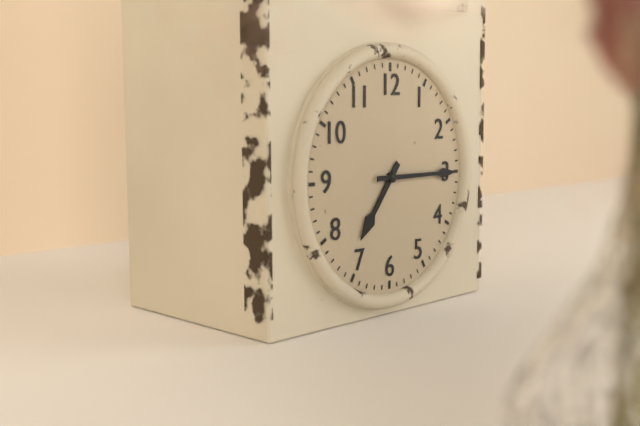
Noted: {"hour": 7, "minute": 15}
